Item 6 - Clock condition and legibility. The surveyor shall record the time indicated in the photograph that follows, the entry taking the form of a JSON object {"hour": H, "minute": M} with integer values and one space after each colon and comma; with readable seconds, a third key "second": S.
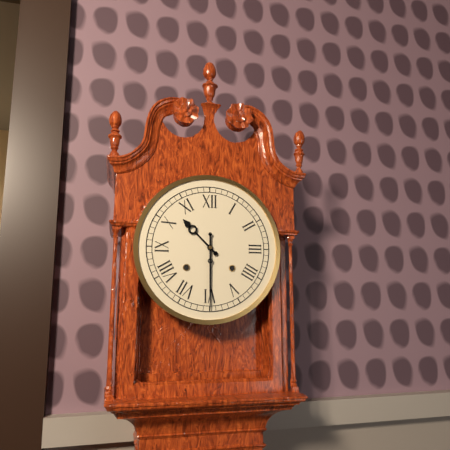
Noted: {"hour": 10, "minute": 30}
